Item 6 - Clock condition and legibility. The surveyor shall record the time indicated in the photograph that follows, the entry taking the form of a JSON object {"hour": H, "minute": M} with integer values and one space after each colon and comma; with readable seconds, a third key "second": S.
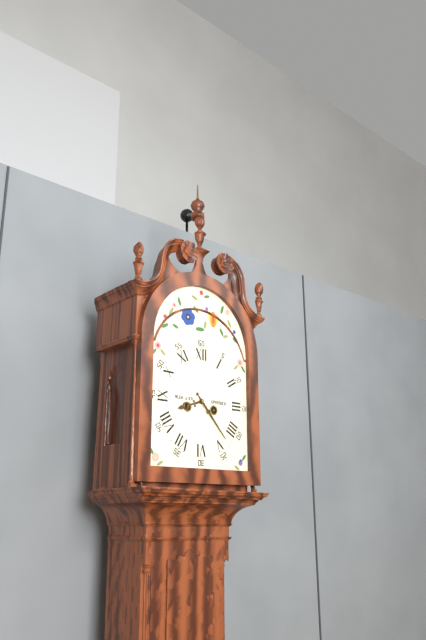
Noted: {"hour": 8, "minute": 23}
